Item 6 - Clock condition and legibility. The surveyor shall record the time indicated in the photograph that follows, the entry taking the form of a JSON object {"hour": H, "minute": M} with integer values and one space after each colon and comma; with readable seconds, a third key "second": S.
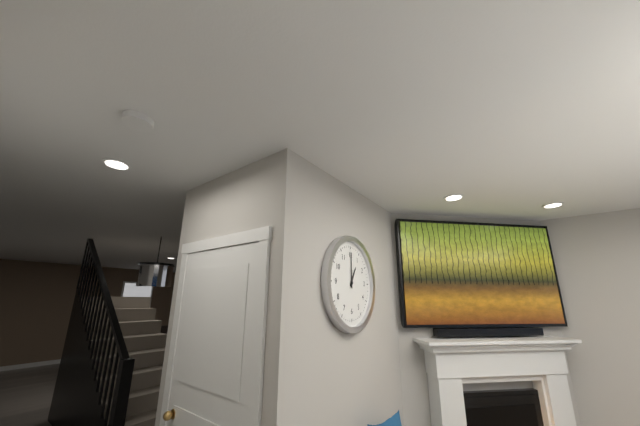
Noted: {"hour": 1, "minute": 0}
